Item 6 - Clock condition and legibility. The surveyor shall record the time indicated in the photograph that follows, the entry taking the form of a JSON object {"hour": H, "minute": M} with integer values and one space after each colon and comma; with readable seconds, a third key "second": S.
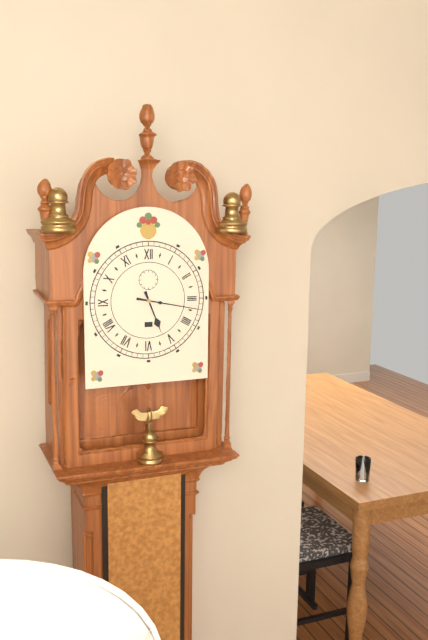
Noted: {"hour": 5, "minute": 17}
